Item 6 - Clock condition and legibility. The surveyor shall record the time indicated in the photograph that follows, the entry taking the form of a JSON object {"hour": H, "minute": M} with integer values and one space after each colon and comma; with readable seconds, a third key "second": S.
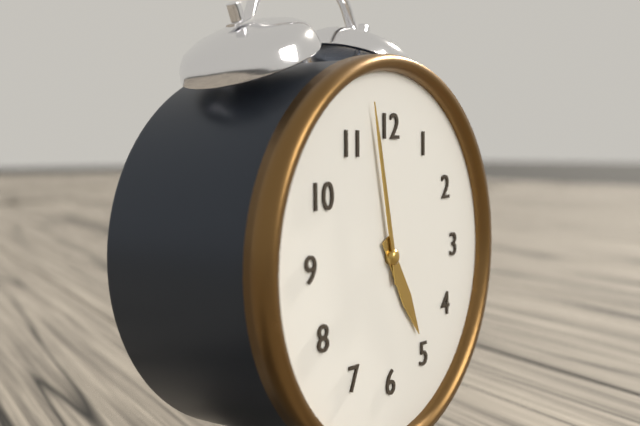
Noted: {"hour": 4, "minute": 58}
